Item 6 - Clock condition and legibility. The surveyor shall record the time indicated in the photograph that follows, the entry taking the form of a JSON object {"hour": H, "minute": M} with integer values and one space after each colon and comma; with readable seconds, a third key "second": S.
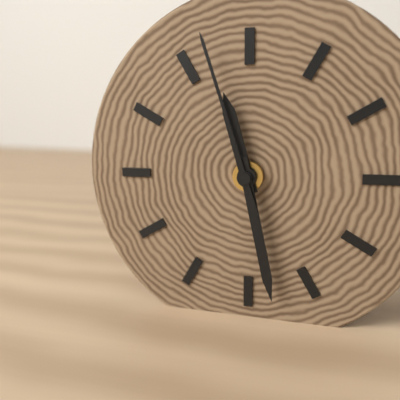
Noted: {"hour": 11, "minute": 28, "second": 57}
